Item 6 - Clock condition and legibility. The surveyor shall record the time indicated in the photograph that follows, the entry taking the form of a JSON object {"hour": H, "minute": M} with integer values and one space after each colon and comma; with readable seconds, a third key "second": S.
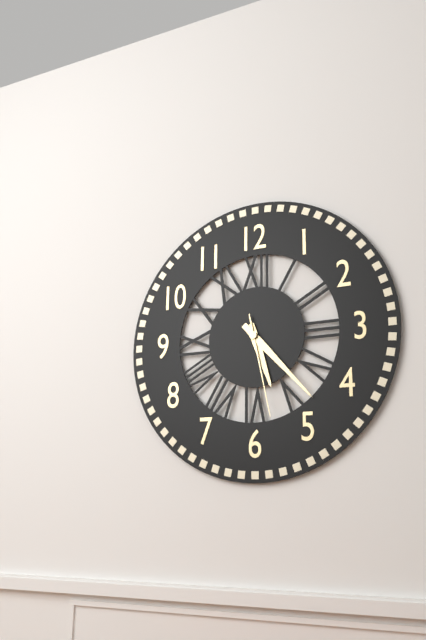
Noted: {"hour": 5, "minute": 23, "second": 28}
